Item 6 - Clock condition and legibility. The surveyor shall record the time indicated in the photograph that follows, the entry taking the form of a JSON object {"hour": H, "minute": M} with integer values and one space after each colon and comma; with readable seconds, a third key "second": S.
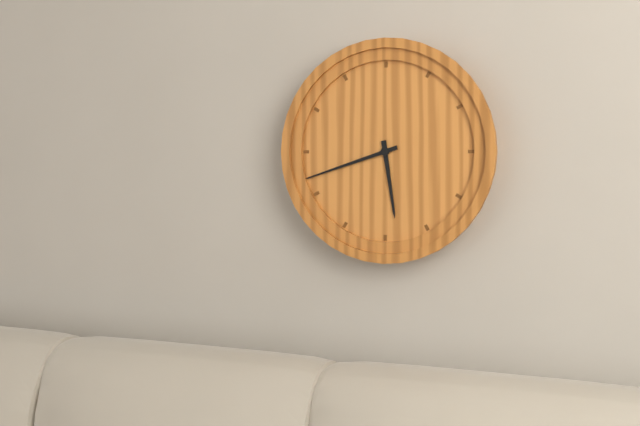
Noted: {"hour": 5, "minute": 42}
